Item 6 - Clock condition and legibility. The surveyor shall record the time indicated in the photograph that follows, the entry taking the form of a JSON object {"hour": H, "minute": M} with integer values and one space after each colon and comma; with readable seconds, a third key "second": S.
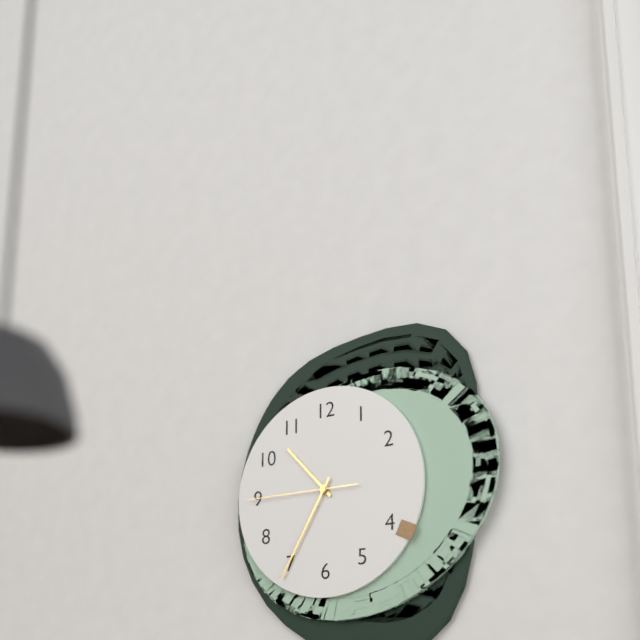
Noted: {"hour": 10, "minute": 35, "second": 45}
